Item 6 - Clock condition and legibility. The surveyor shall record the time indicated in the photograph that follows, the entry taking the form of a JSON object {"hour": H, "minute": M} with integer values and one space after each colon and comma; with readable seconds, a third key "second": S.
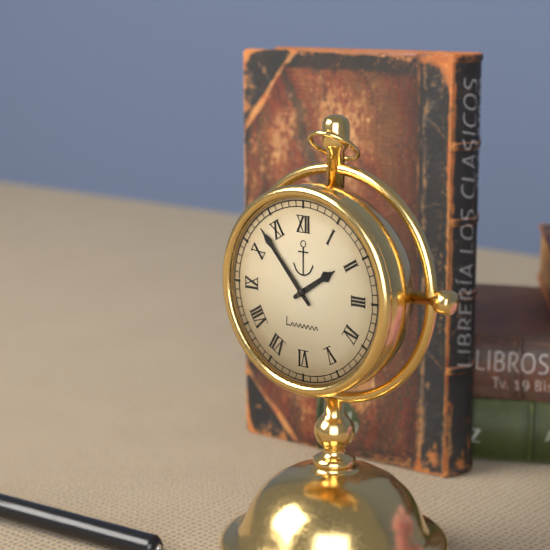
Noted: {"hour": 1, "minute": 53}
